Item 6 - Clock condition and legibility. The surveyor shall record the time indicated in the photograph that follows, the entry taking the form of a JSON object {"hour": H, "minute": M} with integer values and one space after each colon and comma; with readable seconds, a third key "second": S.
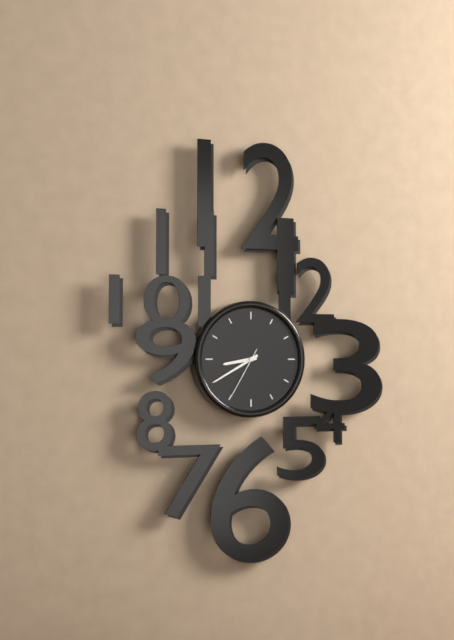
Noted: {"hour": 8, "minute": 40, "second": 35}
